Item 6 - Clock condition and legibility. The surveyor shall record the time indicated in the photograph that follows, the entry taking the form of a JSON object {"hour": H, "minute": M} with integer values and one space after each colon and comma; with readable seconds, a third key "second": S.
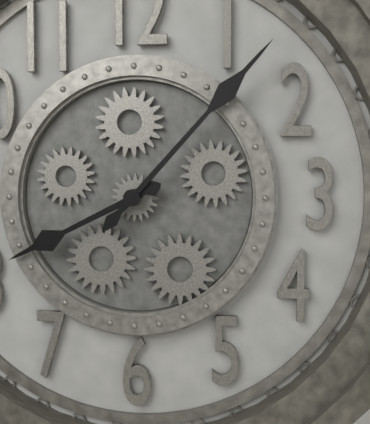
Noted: {"hour": 8, "minute": 7}
